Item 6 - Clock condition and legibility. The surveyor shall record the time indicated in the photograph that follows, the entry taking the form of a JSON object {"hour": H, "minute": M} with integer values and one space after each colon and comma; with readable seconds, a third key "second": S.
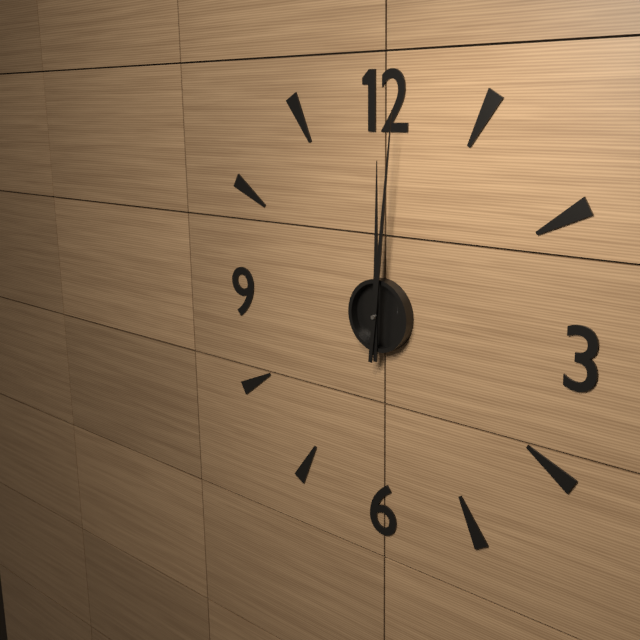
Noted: {"hour": 12, "minute": 1}
